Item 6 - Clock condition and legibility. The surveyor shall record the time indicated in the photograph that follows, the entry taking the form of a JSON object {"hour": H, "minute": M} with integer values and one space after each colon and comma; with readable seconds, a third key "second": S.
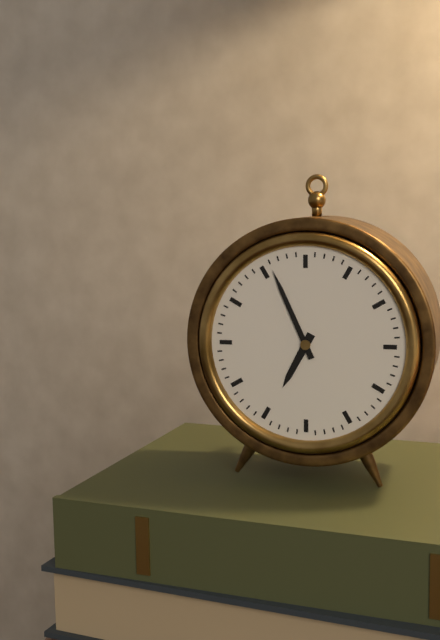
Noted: {"hour": 6, "minute": 56}
